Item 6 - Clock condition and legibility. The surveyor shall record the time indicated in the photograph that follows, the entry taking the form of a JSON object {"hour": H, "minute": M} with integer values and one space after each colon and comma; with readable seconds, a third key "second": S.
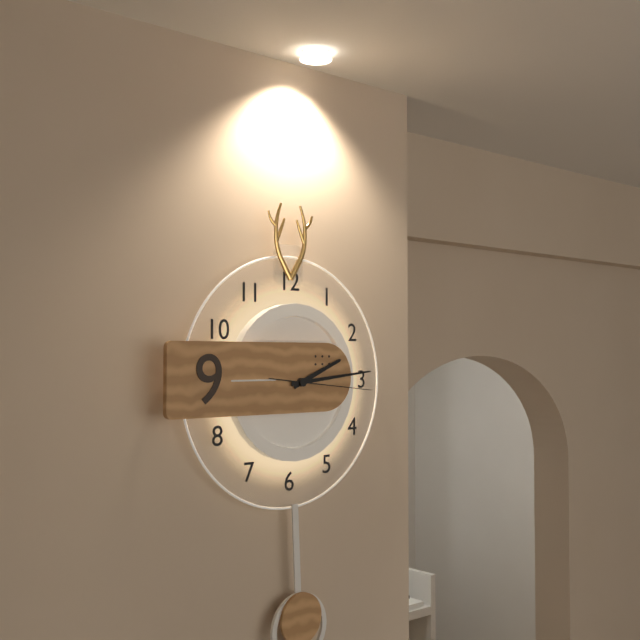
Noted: {"hour": 2, "minute": 14, "second": 16}
